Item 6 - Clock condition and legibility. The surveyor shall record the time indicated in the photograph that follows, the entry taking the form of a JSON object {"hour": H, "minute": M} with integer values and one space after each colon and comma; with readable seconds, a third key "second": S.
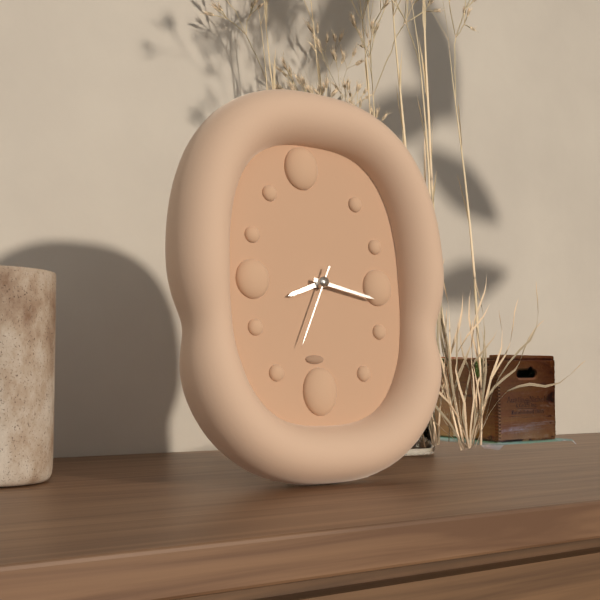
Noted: {"hour": 8, "minute": 17, "second": 34}
